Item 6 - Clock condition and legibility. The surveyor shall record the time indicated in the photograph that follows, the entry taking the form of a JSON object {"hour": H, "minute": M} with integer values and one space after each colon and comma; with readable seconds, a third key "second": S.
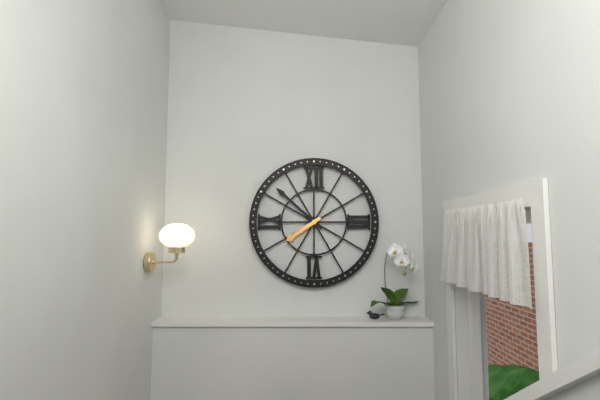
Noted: {"hour": 7, "minute": 52}
